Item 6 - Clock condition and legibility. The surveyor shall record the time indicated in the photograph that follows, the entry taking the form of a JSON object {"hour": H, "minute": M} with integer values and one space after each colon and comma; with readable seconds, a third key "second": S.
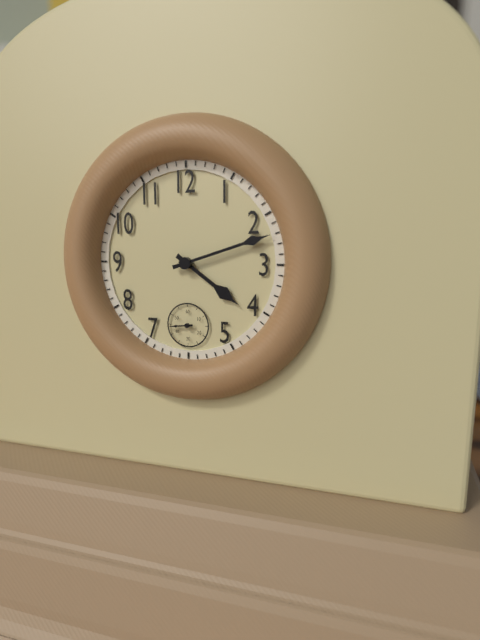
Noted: {"hour": 4, "minute": 12}
